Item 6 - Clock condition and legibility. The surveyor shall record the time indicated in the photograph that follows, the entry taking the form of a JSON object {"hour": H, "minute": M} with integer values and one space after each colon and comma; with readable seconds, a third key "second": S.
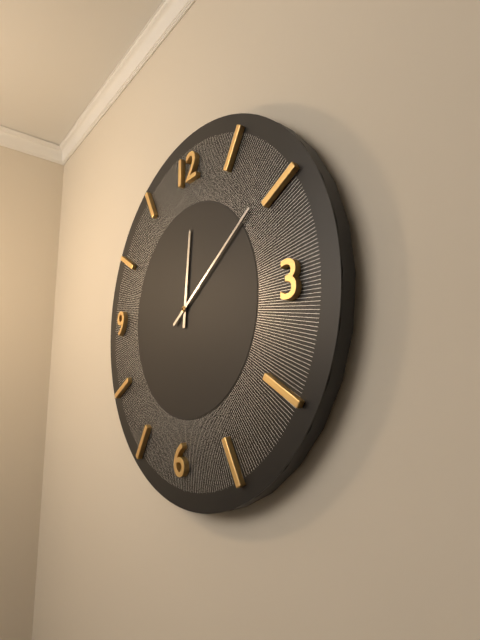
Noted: {"hour": 12, "minute": 9}
